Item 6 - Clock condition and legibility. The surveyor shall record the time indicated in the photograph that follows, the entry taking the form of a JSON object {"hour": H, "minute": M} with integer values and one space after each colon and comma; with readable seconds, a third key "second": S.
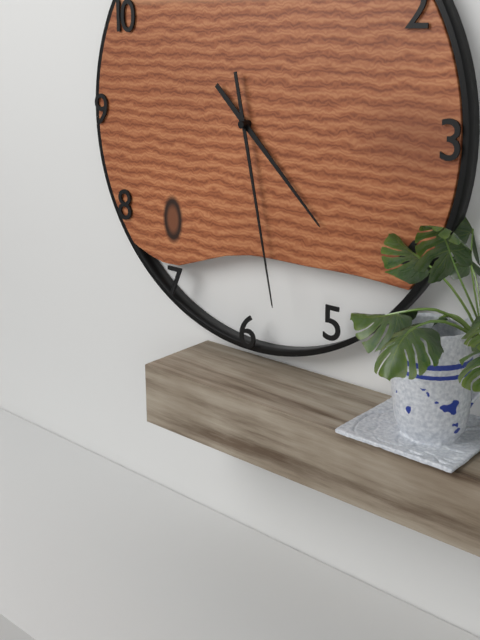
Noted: {"hour": 4, "minute": 28}
